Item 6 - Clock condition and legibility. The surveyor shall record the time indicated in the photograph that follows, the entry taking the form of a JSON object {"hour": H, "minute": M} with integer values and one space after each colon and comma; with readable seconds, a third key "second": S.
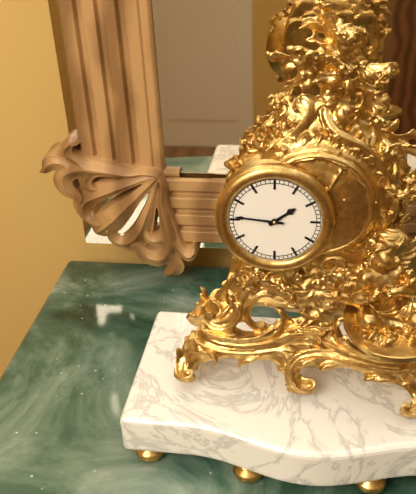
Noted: {"hour": 1, "minute": 46}
